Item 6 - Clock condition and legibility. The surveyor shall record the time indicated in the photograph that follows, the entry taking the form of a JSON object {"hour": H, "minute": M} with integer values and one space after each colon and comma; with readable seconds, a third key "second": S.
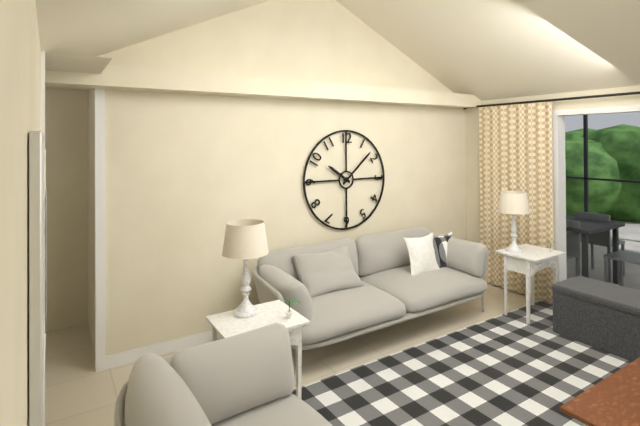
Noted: {"hour": 10, "minute": 8}
